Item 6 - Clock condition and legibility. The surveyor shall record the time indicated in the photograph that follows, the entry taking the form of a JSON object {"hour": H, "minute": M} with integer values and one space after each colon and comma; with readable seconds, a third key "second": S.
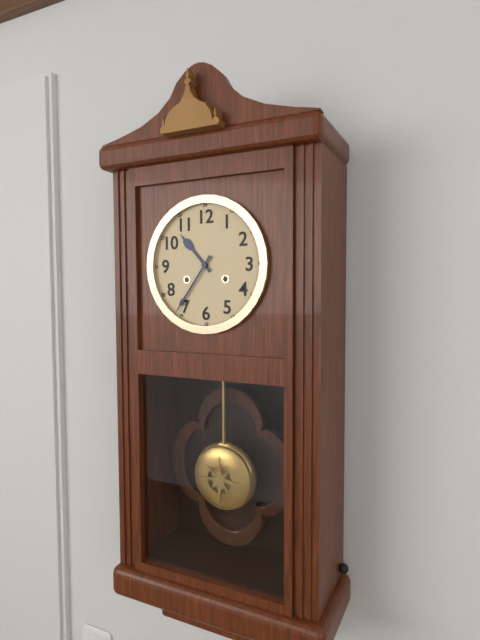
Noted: {"hour": 10, "minute": 36}
